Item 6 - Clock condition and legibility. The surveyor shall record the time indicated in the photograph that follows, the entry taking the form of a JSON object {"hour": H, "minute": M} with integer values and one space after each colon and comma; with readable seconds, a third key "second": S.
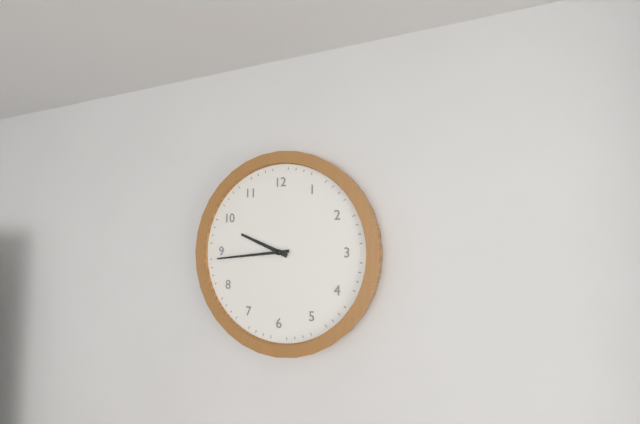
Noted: {"hour": 9, "minute": 44}
